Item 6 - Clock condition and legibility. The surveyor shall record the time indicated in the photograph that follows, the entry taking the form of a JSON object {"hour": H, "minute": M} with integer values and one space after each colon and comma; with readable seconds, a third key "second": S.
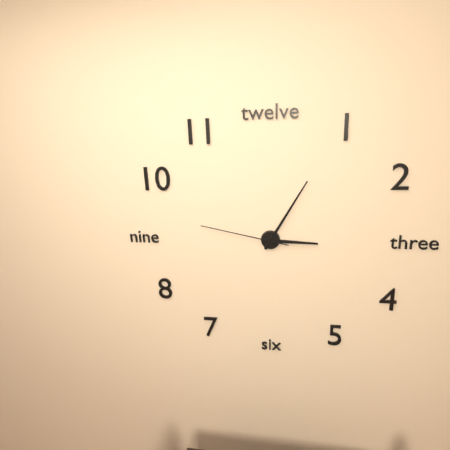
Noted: {"hour": 3, "minute": 5, "second": 47}
